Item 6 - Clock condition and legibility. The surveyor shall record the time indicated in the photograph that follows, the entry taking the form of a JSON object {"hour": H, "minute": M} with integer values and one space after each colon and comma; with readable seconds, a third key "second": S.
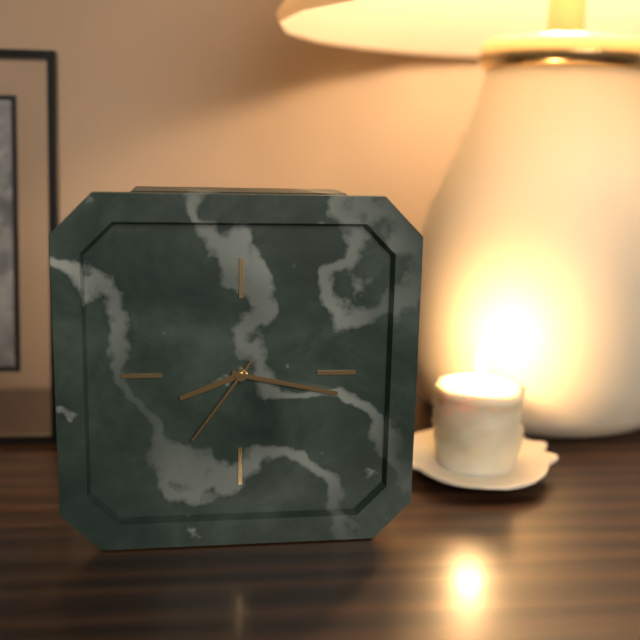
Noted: {"hour": 8, "minute": 17, "second": 36}
